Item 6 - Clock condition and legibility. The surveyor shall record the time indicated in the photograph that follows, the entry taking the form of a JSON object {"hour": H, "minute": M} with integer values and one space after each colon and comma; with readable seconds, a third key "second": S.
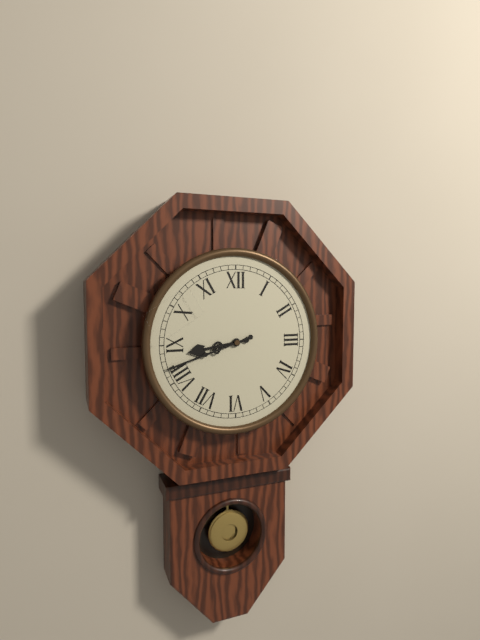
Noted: {"hour": 8, "minute": 42}
